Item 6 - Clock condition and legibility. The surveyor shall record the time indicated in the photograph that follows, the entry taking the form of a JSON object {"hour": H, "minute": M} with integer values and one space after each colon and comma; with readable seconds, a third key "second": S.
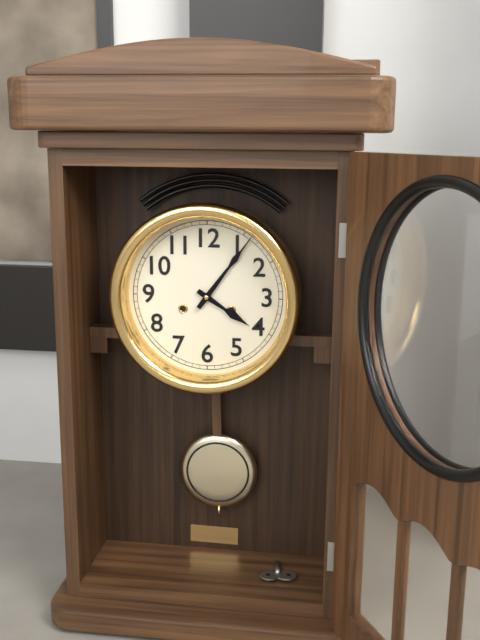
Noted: {"hour": 4, "minute": 6}
